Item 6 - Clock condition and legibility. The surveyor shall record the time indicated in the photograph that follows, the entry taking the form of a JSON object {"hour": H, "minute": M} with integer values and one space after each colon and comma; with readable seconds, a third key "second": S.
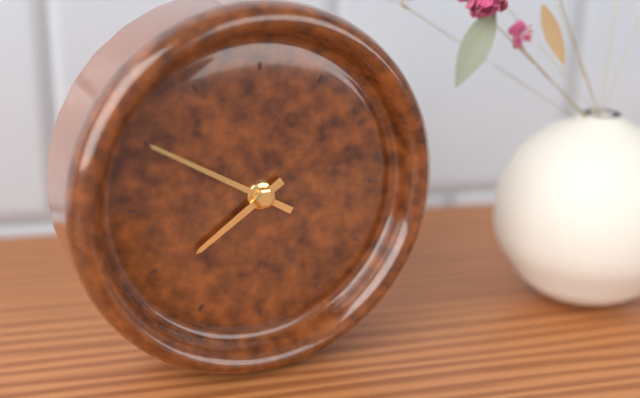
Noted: {"hour": 7, "minute": 50}
